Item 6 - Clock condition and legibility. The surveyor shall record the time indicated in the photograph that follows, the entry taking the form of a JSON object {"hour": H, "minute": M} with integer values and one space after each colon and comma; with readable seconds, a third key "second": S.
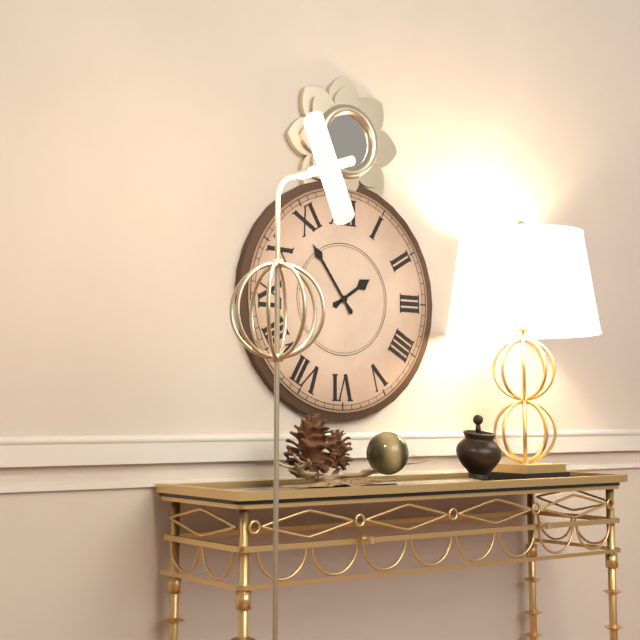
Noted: {"hour": 1, "minute": 54}
